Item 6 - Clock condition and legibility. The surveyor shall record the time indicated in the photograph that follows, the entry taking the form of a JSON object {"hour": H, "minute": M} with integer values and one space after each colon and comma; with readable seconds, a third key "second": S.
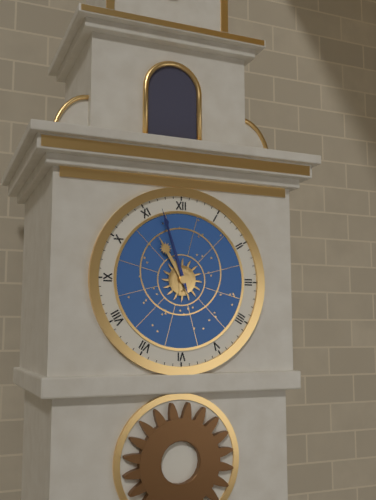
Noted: {"hour": 10, "minute": 57}
